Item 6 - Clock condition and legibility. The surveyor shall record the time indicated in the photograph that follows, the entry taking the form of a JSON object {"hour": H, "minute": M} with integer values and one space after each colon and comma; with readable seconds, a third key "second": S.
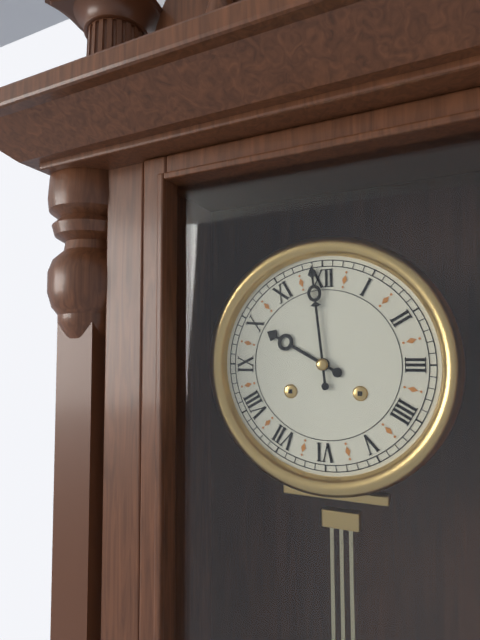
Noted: {"hour": 9, "minute": 59}
